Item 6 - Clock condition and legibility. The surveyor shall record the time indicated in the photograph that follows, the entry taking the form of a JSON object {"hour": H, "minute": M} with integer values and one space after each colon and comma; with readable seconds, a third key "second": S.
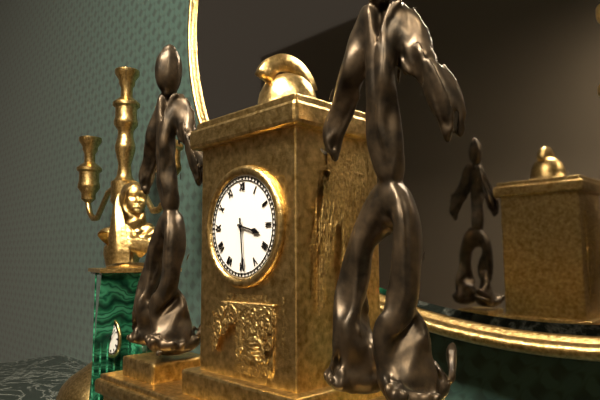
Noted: {"hour": 3, "minute": 29}
